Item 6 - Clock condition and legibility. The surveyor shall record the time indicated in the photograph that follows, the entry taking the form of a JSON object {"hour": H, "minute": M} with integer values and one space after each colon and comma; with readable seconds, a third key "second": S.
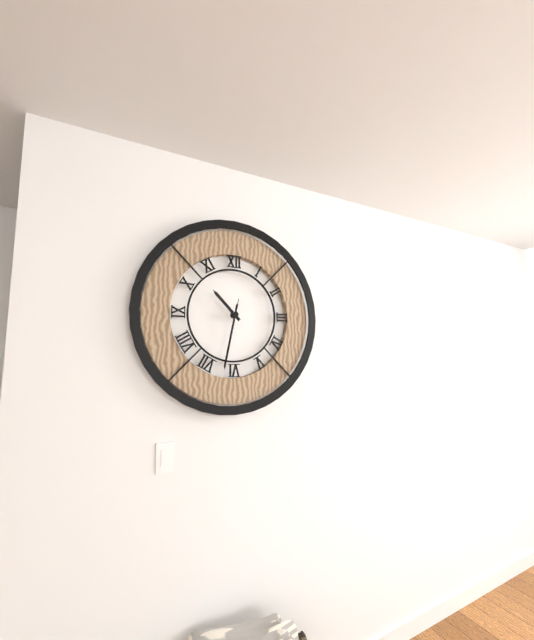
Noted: {"hour": 10, "minute": 32, "second": 32}
